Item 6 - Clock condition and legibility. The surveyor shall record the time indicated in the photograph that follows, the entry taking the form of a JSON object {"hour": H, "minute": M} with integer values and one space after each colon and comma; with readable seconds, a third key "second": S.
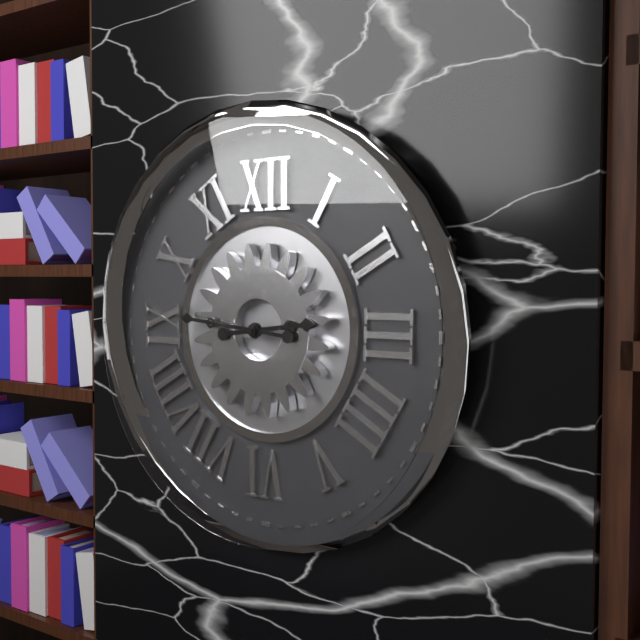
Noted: {"hour": 2, "minute": 46}
